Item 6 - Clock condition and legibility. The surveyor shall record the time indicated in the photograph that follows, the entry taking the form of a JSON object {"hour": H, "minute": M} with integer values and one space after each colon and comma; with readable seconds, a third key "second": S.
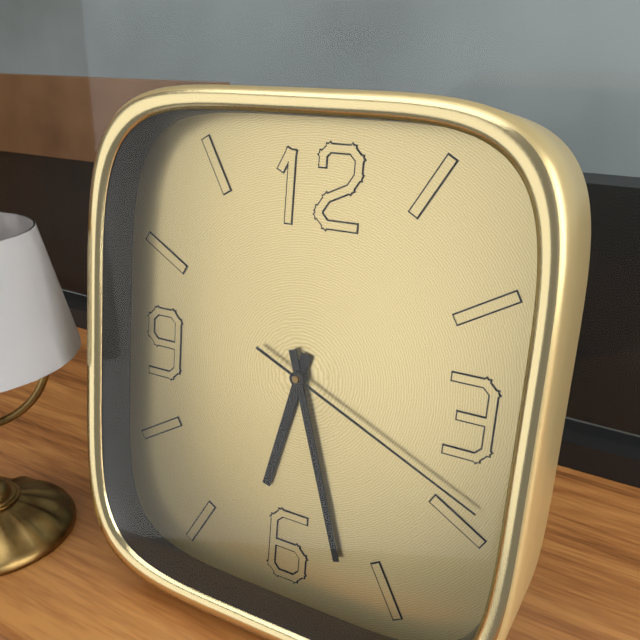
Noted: {"hour": 6, "minute": 27, "second": 19}
